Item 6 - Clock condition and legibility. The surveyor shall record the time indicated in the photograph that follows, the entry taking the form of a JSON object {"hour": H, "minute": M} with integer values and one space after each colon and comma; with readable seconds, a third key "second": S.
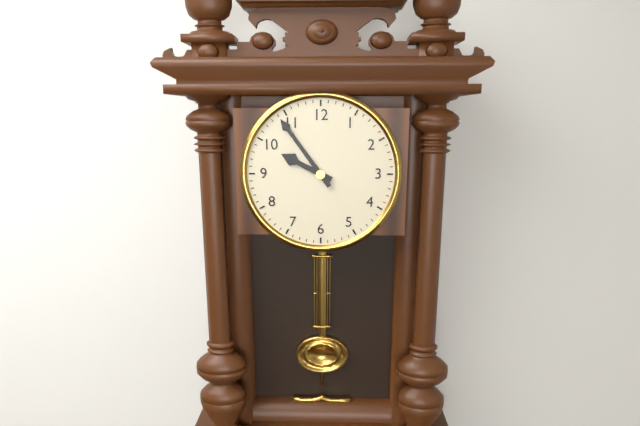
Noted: {"hour": 9, "minute": 54}
